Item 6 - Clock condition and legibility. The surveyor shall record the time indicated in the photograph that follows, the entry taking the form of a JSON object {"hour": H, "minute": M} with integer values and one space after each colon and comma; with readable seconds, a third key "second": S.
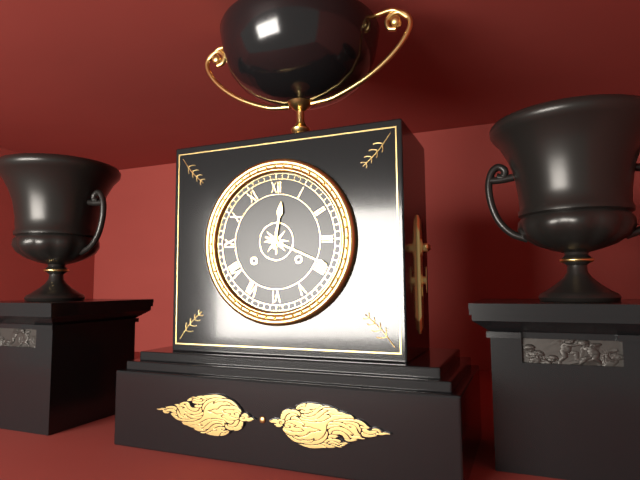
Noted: {"hour": 12, "minute": 19}
